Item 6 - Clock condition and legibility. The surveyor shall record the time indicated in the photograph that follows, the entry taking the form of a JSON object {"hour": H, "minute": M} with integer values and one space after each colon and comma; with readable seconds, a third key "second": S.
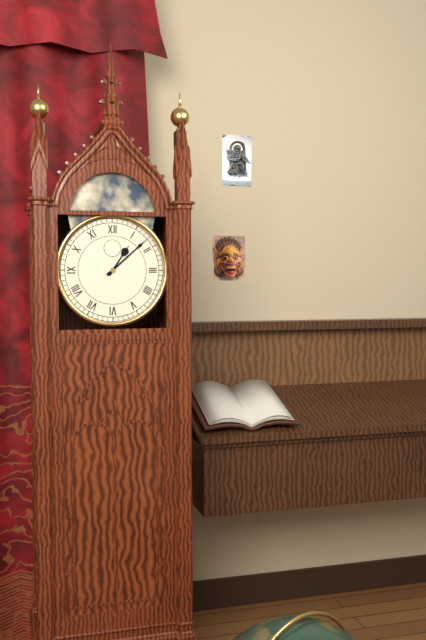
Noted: {"hour": 1, "minute": 8}
